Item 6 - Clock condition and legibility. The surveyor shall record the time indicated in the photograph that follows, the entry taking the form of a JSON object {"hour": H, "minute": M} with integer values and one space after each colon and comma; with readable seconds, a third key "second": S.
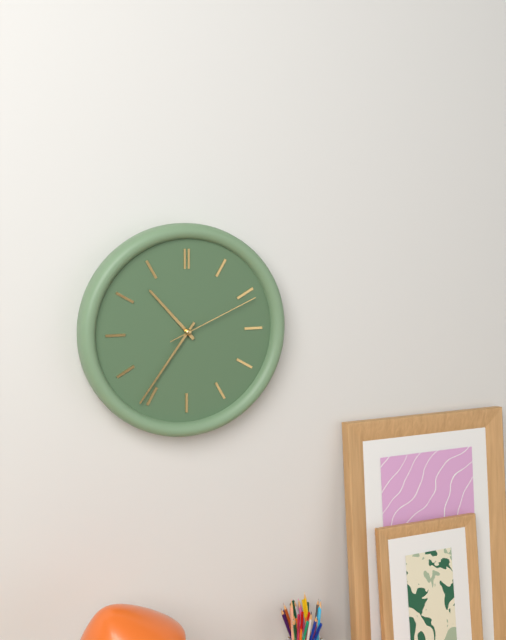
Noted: {"hour": 10, "minute": 36, "second": 11}
